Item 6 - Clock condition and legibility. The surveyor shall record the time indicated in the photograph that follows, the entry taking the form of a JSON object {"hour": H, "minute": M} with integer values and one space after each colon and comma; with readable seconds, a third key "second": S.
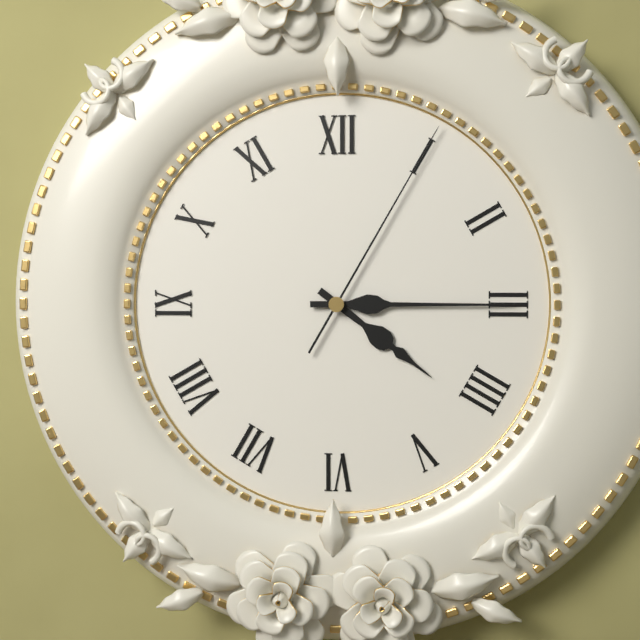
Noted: {"hour": 4, "minute": 15, "second": 5}
